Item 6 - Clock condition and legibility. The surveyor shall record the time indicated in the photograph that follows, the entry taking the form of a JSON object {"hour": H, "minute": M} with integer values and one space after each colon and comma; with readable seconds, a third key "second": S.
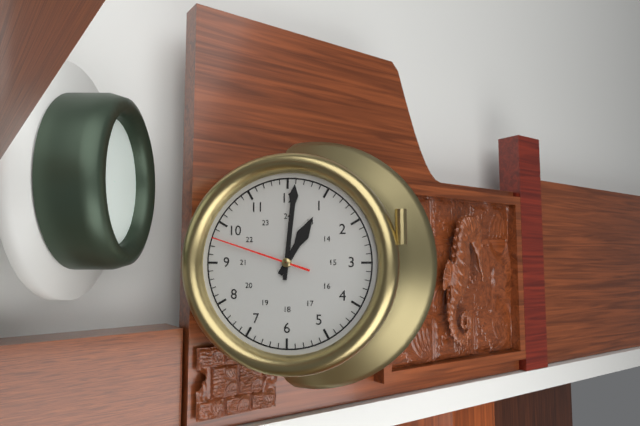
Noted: {"hour": 1, "minute": 1, "second": 48}
